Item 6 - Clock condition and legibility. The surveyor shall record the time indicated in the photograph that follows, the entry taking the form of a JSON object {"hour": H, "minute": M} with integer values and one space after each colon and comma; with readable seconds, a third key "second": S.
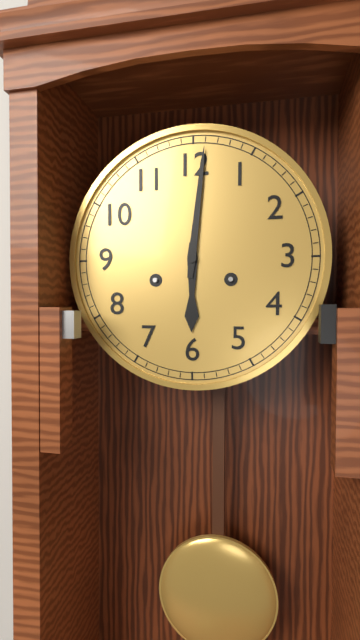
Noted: {"hour": 6, "minute": 1}
